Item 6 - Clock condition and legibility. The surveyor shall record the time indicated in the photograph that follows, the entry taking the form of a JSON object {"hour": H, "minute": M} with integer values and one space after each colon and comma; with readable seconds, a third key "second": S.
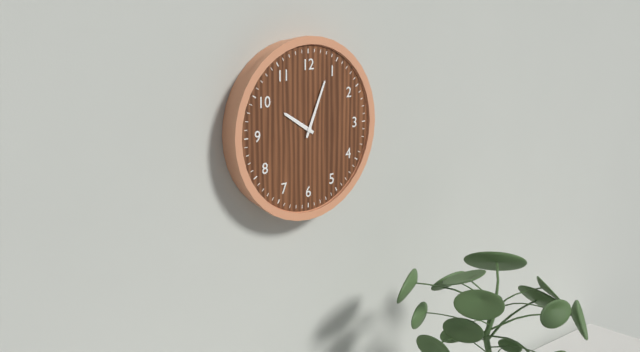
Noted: {"hour": 10, "minute": 4}
